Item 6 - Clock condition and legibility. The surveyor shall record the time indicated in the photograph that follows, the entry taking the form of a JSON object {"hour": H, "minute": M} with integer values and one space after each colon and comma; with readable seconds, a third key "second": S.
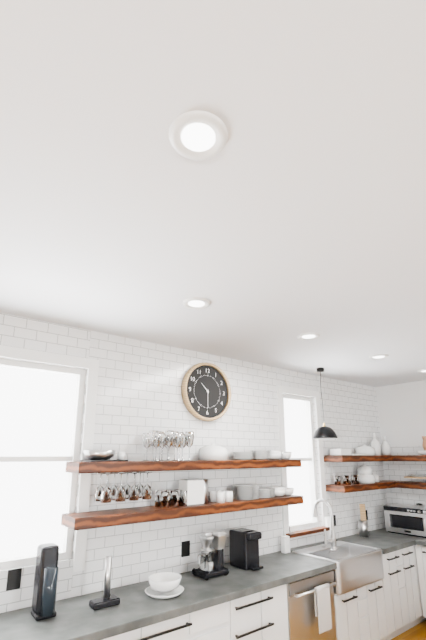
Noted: {"hour": 10, "minute": 30}
